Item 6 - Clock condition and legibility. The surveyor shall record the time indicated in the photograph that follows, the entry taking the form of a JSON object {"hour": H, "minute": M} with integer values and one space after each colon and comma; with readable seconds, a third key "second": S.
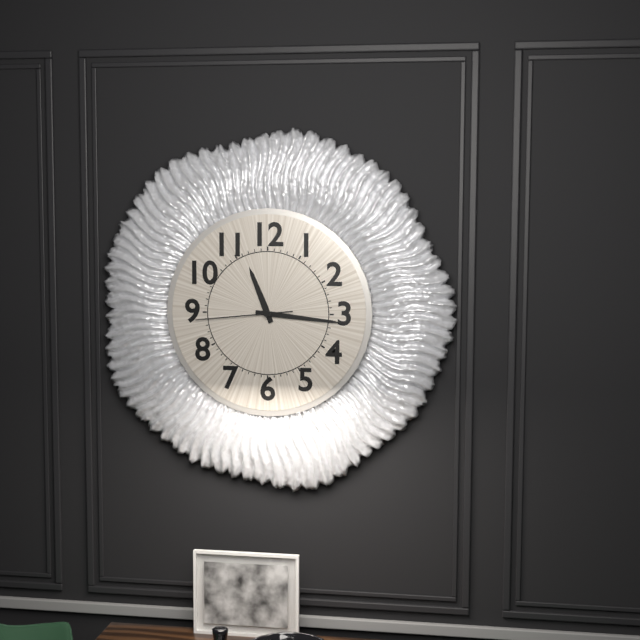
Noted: {"hour": 11, "minute": 16, "second": 44}
